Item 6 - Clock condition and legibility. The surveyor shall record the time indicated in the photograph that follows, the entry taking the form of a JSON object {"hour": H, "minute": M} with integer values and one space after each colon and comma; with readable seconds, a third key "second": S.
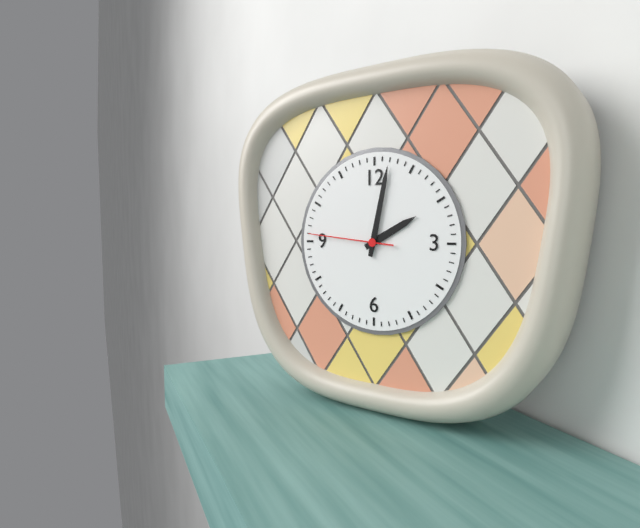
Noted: {"hour": 2, "minute": 2, "second": 46}
